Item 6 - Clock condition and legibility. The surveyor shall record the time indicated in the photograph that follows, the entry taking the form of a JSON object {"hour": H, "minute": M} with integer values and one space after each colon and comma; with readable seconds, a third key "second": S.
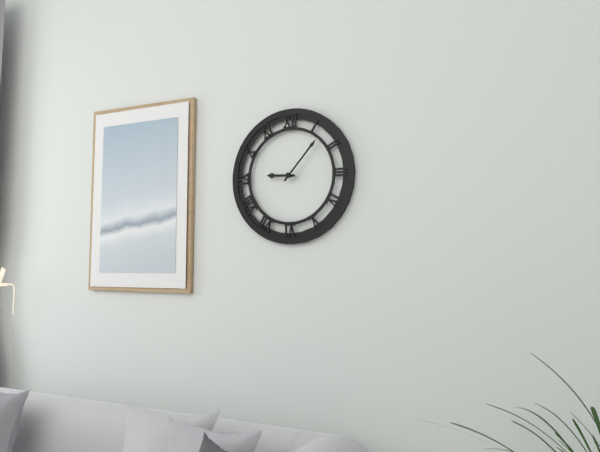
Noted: {"hour": 9, "minute": 7}
